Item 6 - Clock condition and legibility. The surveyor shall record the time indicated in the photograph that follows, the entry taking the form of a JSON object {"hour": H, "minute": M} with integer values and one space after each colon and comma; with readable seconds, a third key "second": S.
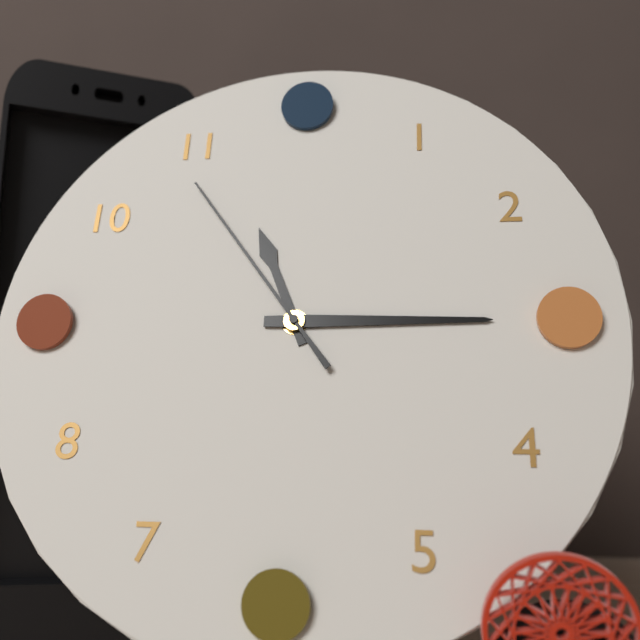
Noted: {"hour": 11, "minute": 15, "second": 54}
